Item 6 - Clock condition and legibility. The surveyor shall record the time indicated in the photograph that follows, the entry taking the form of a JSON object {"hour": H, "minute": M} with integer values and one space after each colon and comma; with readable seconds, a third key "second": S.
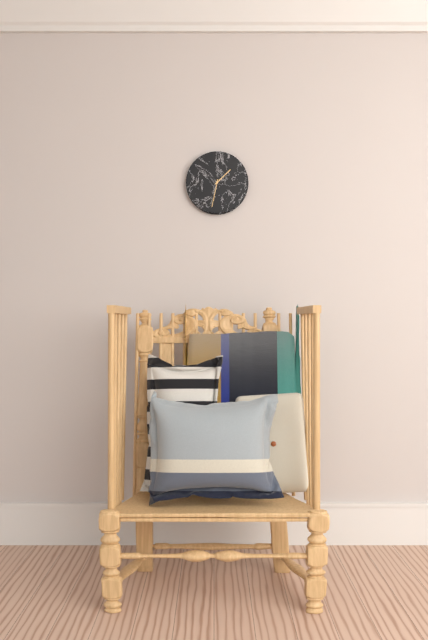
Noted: {"hour": 1, "minute": 32}
